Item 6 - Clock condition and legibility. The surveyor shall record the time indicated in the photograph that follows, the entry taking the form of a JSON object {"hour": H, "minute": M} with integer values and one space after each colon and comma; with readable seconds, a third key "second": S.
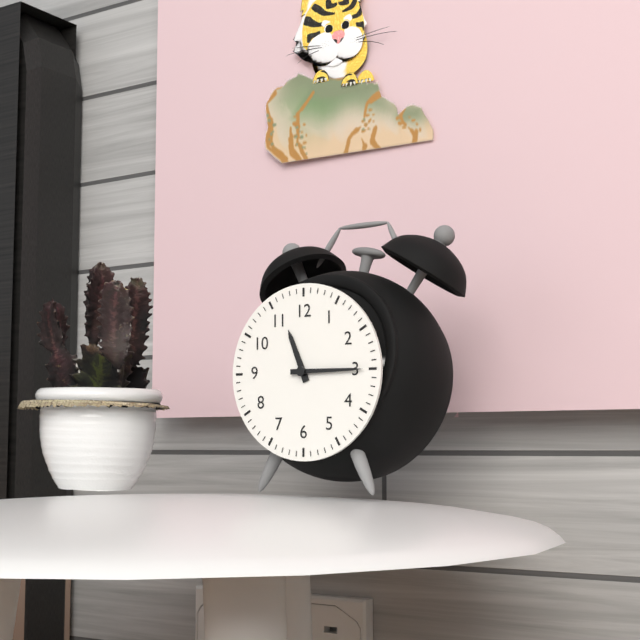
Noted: {"hour": 11, "minute": 15}
